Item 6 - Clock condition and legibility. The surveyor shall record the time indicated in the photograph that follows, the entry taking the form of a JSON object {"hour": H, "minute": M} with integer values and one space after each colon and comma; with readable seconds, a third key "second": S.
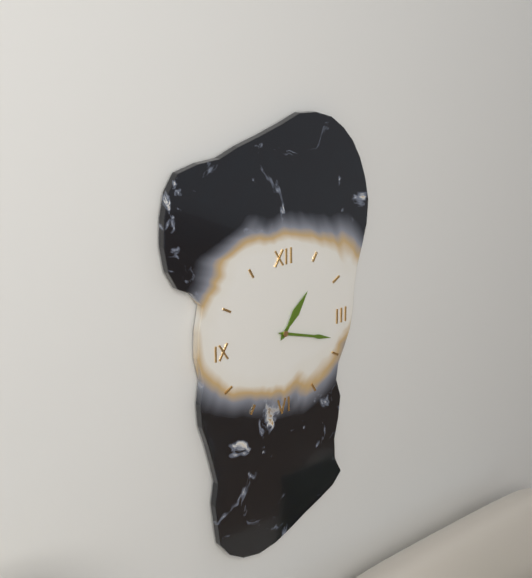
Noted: {"hour": 1, "minute": 18}
